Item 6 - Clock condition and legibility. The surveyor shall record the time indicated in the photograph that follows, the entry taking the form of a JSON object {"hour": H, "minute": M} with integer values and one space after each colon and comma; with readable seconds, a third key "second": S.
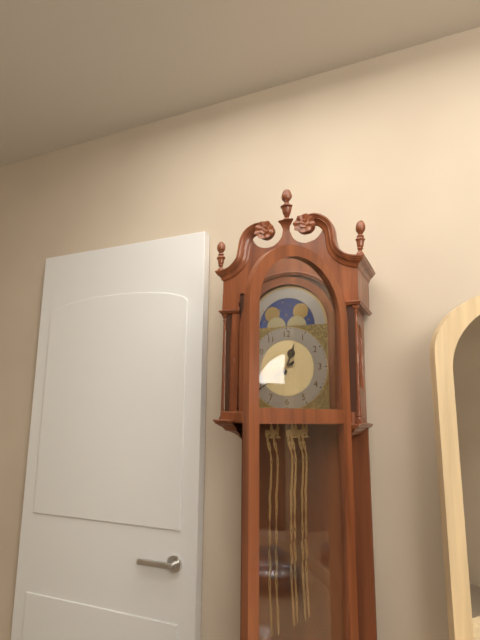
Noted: {"hour": 12, "minute": 39}
